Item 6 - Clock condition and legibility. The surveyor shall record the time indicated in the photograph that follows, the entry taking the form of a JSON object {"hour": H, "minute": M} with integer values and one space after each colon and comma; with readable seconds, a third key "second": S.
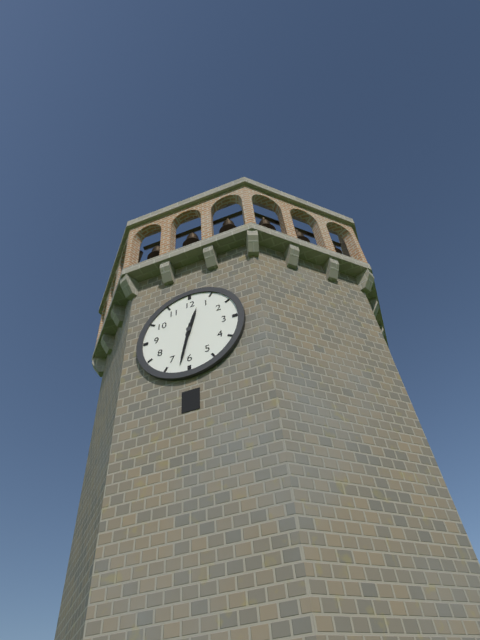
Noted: {"hour": 12, "minute": 32}
